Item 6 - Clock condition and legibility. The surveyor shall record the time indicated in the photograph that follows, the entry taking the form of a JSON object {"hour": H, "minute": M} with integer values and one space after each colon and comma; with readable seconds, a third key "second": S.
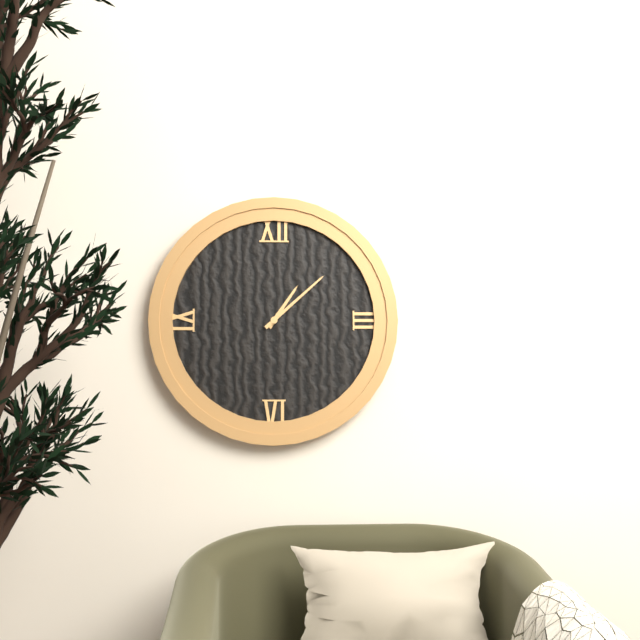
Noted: {"hour": 1, "minute": 8}
